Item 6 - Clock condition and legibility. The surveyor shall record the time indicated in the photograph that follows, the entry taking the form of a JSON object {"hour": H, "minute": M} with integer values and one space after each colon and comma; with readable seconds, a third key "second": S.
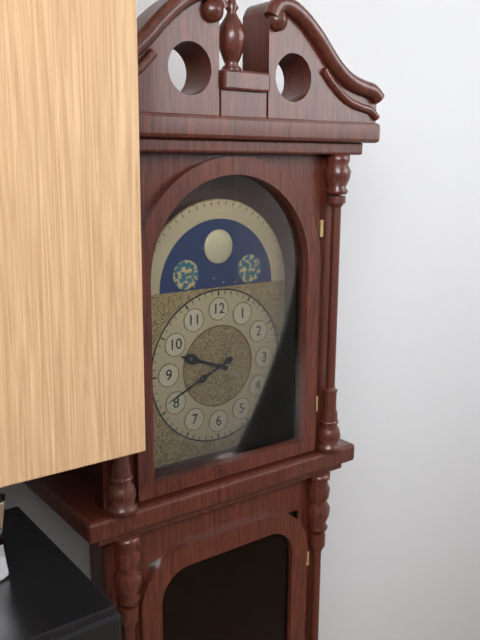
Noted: {"hour": 9, "minute": 41}
